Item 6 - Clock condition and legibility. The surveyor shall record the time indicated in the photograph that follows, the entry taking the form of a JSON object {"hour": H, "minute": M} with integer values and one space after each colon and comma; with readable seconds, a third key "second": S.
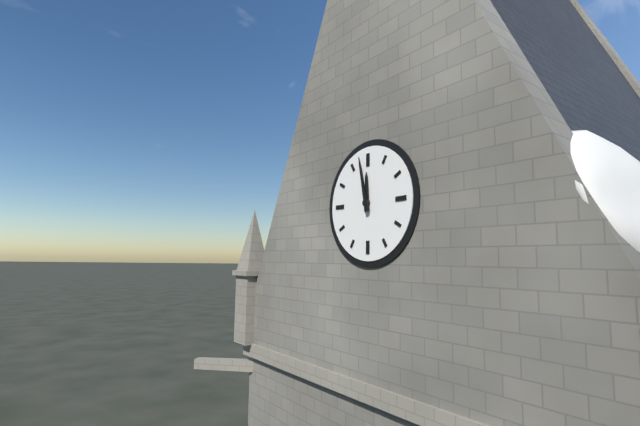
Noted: {"hour": 11, "minute": 58}
